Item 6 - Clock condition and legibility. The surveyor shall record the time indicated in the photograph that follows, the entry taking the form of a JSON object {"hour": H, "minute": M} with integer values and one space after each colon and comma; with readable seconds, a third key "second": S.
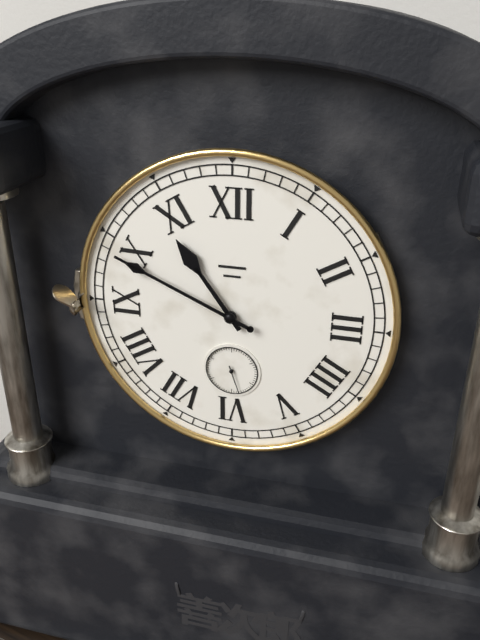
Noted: {"hour": 10, "minute": 49}
